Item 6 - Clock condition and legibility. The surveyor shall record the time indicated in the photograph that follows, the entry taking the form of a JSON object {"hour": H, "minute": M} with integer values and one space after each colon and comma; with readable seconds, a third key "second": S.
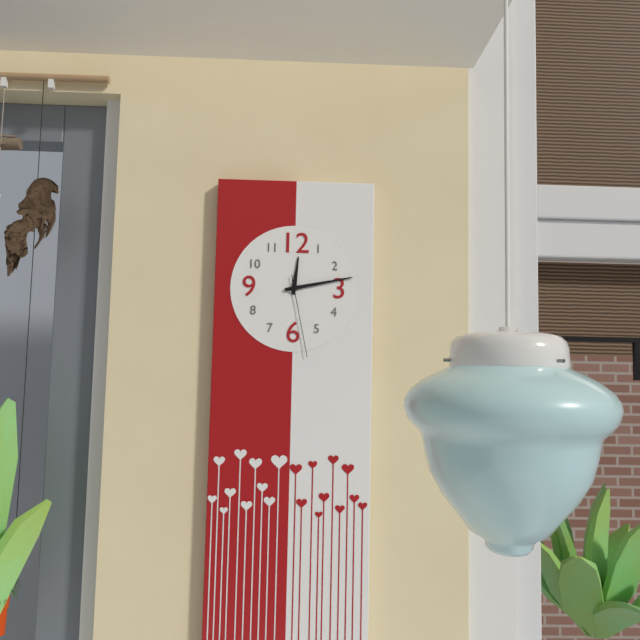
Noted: {"hour": 12, "minute": 13, "second": 28}
